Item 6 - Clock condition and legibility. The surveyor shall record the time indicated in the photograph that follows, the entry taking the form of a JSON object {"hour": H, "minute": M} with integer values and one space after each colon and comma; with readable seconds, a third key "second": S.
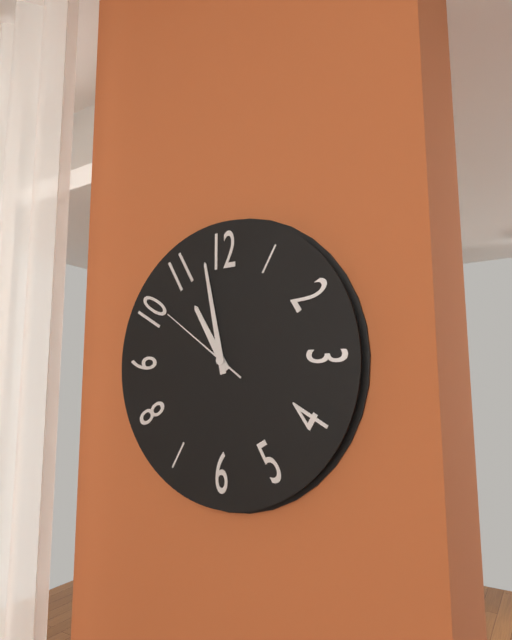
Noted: {"hour": 10, "minute": 58, "second": 51}
